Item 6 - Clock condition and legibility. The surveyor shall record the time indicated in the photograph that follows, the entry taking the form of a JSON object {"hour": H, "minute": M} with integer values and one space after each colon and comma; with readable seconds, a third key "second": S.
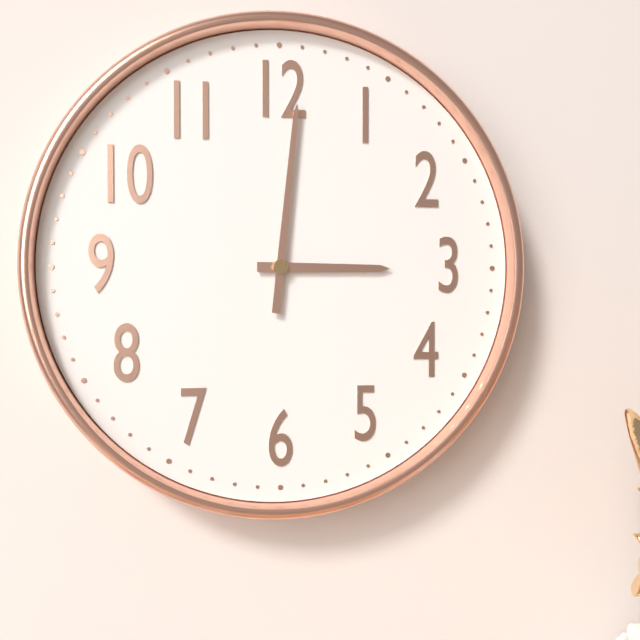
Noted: {"hour": 3, "minute": 1}
